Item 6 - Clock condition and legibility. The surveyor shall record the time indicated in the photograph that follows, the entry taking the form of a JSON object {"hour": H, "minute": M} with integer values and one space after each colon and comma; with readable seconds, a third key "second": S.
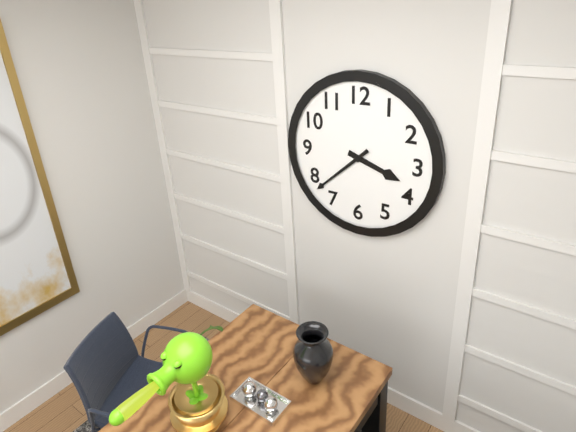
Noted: {"hour": 3, "minute": 38}
